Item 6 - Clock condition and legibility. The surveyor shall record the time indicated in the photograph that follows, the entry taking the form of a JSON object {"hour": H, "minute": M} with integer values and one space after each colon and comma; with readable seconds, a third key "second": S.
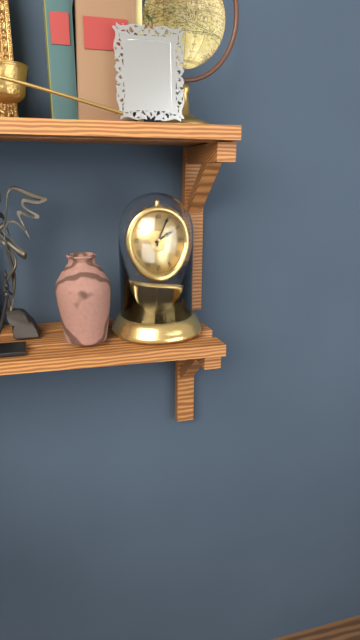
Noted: {"hour": 2, "minute": 4}
